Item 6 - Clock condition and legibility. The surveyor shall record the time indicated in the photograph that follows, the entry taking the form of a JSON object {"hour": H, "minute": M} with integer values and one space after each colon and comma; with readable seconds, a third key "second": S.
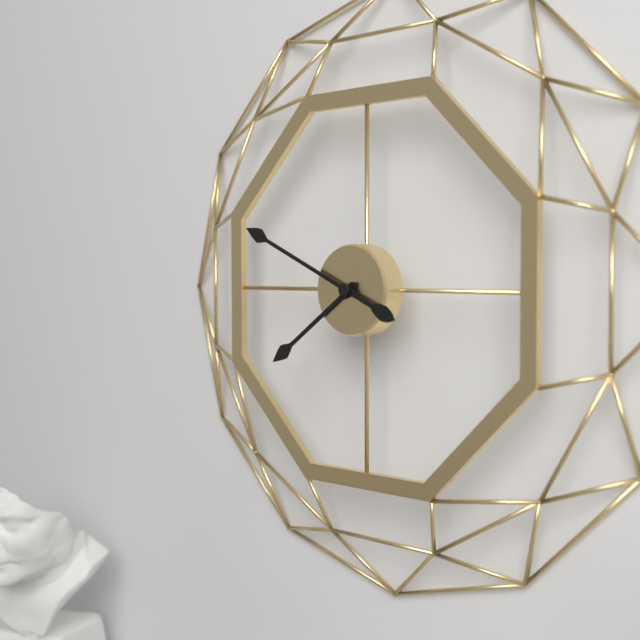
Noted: {"hour": 7, "minute": 49}
